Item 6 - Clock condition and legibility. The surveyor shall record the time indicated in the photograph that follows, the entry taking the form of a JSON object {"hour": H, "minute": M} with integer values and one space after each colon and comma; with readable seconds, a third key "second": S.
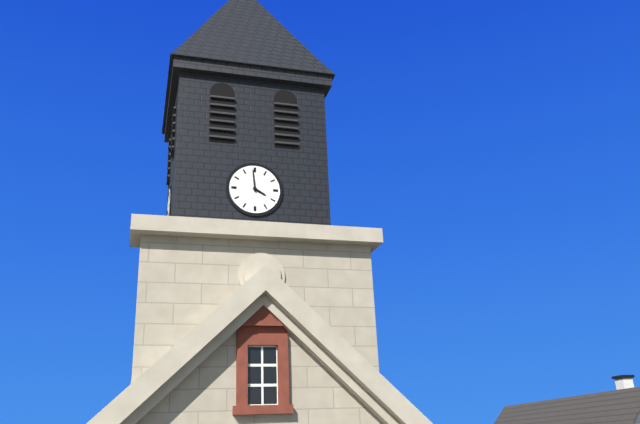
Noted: {"hour": 3, "minute": 59}
